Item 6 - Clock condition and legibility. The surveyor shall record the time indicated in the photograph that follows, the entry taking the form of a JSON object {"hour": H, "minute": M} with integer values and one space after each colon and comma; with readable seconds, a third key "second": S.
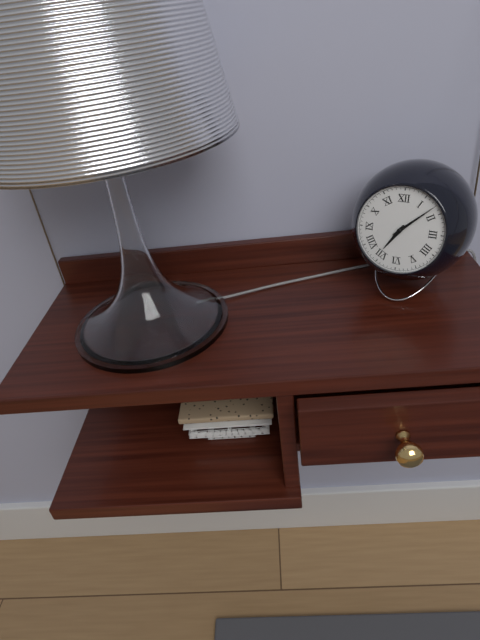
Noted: {"hour": 7, "minute": 8}
